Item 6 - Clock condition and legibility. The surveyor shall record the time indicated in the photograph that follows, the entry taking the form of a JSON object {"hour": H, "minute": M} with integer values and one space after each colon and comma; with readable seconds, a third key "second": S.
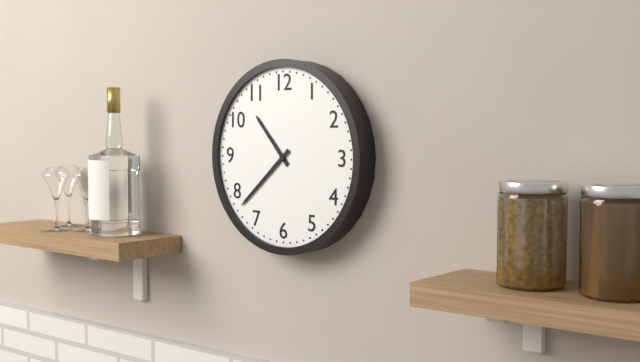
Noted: {"hour": 10, "minute": 38}
